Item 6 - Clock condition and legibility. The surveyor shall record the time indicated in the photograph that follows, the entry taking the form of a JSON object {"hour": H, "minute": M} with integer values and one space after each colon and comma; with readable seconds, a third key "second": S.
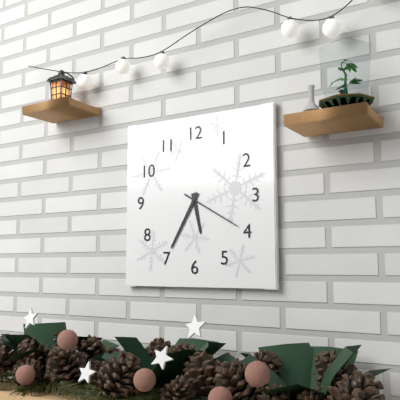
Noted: {"hour": 5, "minute": 35, "second": 20}
